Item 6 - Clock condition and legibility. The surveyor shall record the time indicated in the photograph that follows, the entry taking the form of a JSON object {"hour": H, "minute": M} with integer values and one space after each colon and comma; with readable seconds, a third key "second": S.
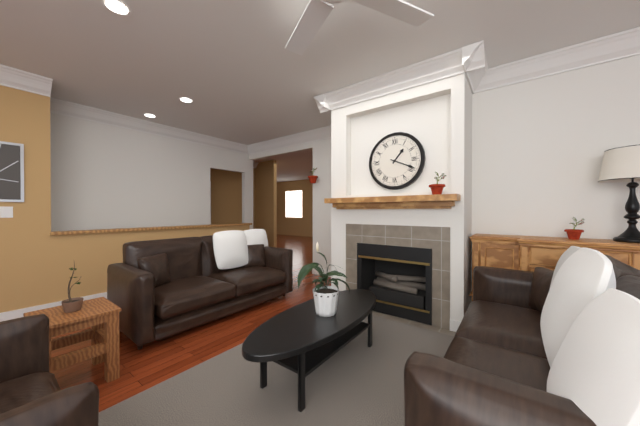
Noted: {"hour": 1, "minute": 19}
